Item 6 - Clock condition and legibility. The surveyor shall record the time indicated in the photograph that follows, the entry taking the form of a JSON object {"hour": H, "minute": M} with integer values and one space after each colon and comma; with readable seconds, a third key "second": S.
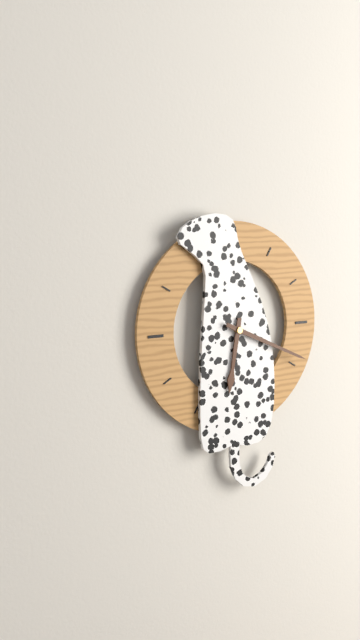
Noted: {"hour": 6, "minute": 19}
